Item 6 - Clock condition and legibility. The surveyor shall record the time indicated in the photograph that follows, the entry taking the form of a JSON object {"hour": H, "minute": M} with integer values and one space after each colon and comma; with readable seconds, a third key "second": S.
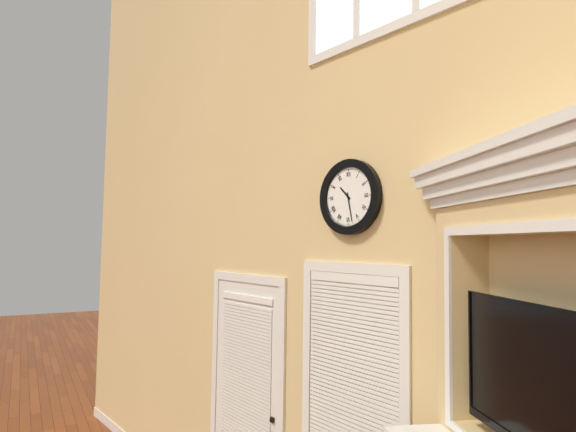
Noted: {"hour": 10, "minute": 28}
